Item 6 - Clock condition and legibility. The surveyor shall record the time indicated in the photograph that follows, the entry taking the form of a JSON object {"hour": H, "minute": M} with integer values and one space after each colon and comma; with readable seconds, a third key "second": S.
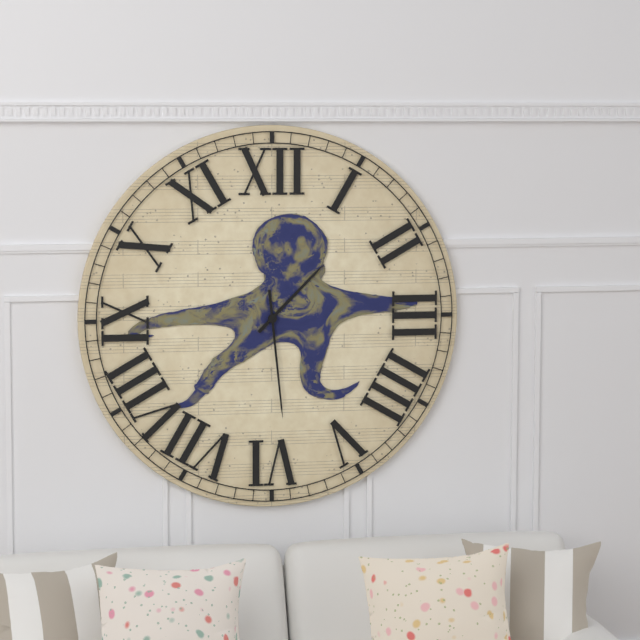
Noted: {"hour": 1, "minute": 29}
